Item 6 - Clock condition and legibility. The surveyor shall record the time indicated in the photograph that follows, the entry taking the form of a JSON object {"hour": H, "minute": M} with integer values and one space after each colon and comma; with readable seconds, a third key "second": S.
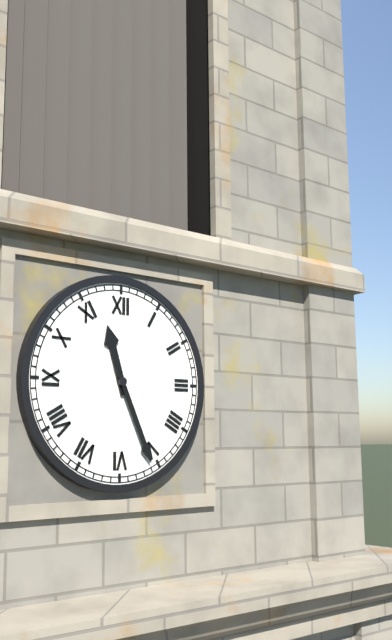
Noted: {"hour": 11, "minute": 26}
